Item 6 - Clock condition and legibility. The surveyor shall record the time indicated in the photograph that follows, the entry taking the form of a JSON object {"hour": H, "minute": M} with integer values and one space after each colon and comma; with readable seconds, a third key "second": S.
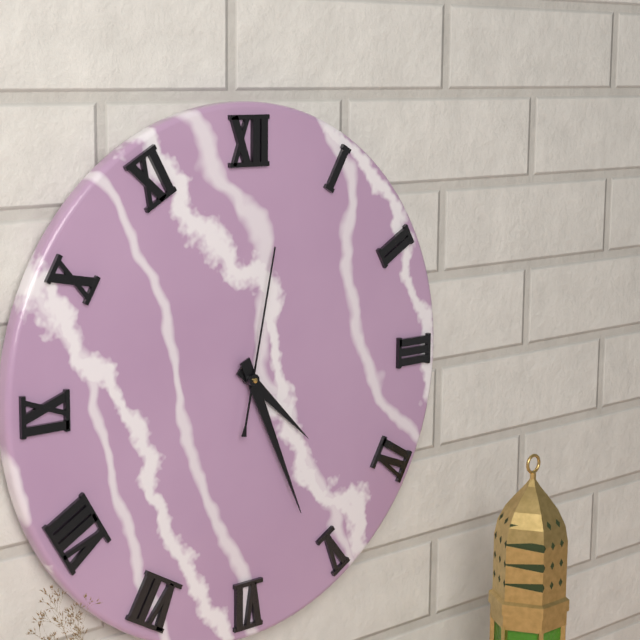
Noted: {"hour": 4, "minute": 26, "second": 2}
